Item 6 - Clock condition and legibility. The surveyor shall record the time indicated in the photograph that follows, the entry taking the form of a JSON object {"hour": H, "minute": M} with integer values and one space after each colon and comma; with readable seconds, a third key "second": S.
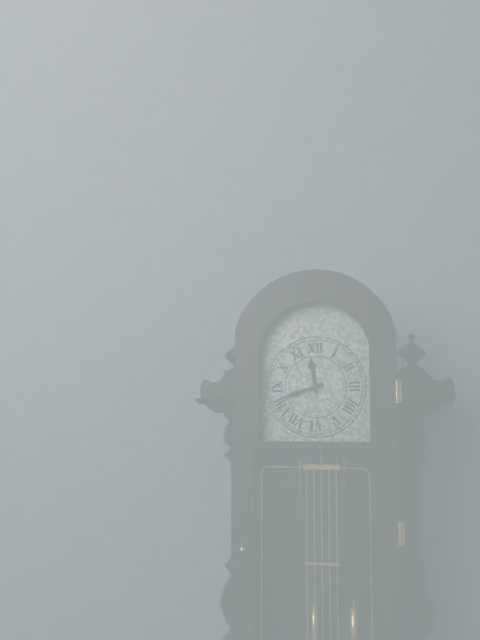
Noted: {"hour": 11, "minute": 42}
